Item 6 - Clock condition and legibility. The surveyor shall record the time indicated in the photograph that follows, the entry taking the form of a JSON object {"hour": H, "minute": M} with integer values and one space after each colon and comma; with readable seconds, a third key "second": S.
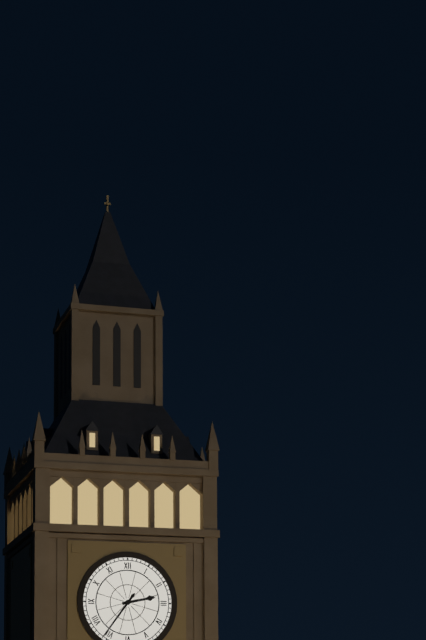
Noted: {"hour": 2, "minute": 36}
